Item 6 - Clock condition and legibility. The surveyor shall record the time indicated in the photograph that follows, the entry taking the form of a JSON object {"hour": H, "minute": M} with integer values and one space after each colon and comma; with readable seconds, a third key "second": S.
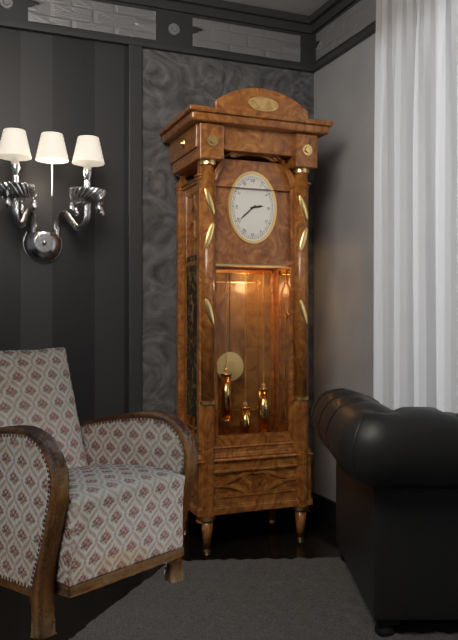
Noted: {"hour": 2, "minute": 38}
